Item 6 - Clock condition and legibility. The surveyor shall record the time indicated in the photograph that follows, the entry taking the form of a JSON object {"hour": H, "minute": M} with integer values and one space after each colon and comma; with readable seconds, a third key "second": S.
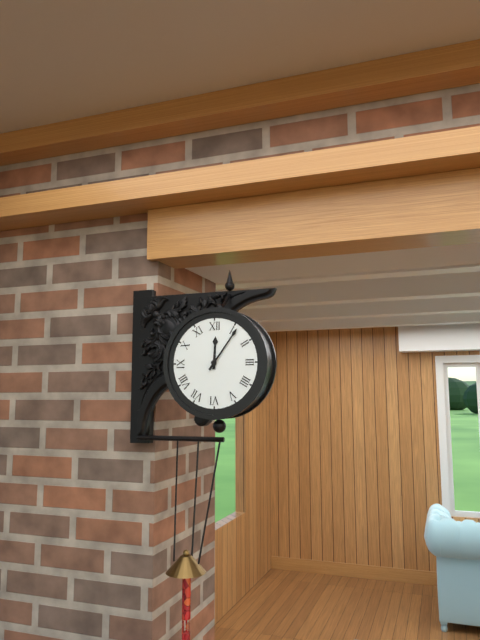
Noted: {"hour": 12, "minute": 6}
